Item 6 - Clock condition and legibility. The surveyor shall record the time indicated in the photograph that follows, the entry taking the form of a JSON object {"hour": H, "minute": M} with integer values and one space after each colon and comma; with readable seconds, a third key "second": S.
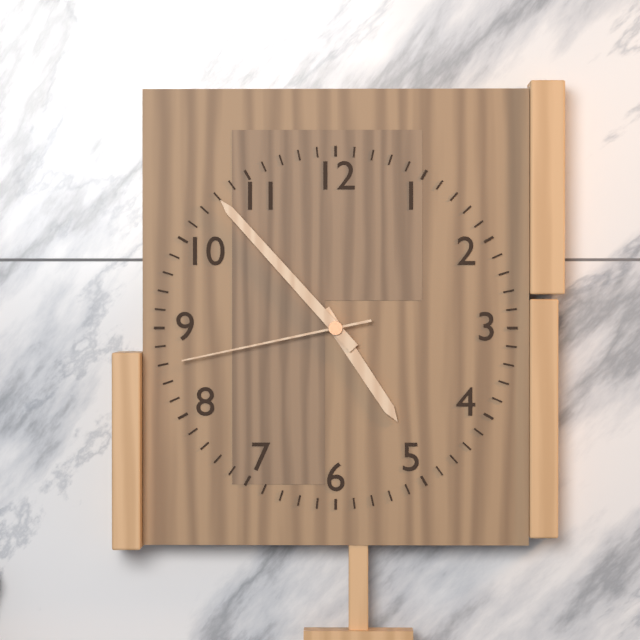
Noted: {"hour": 4, "minute": 53, "second": 43}
